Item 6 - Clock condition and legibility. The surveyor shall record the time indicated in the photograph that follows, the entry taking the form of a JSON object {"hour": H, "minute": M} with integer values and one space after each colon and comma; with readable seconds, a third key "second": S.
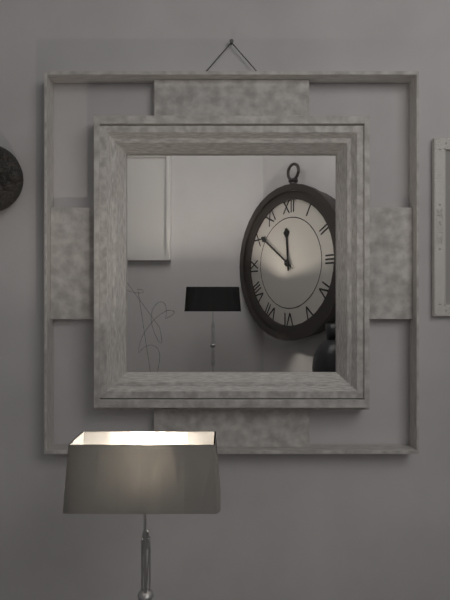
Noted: {"hour": 11, "minute": 51}
